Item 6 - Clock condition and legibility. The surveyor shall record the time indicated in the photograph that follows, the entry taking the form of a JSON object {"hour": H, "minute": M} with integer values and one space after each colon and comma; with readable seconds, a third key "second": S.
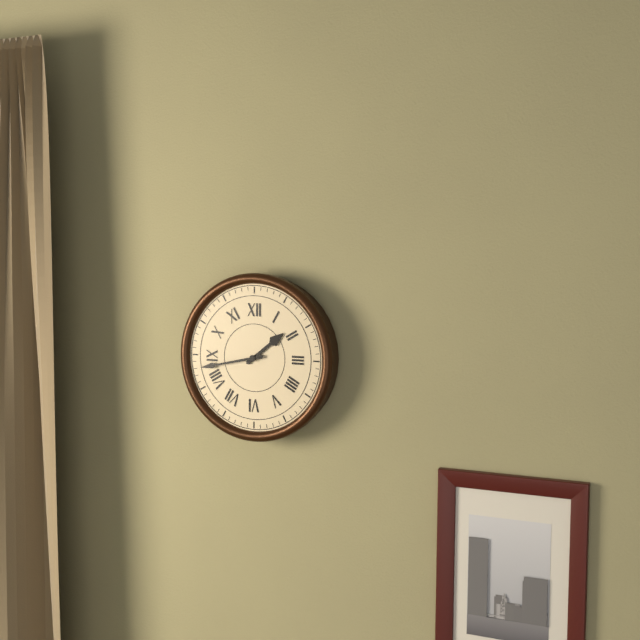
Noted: {"hour": 1, "minute": 43}
